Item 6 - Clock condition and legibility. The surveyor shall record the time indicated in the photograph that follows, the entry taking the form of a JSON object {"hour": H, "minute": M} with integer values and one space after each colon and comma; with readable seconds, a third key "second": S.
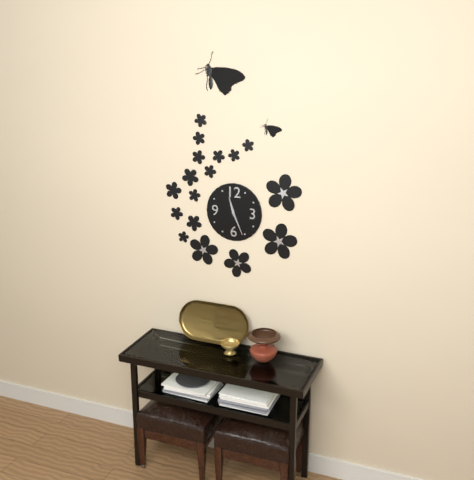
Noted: {"hour": 11, "minute": 26}
